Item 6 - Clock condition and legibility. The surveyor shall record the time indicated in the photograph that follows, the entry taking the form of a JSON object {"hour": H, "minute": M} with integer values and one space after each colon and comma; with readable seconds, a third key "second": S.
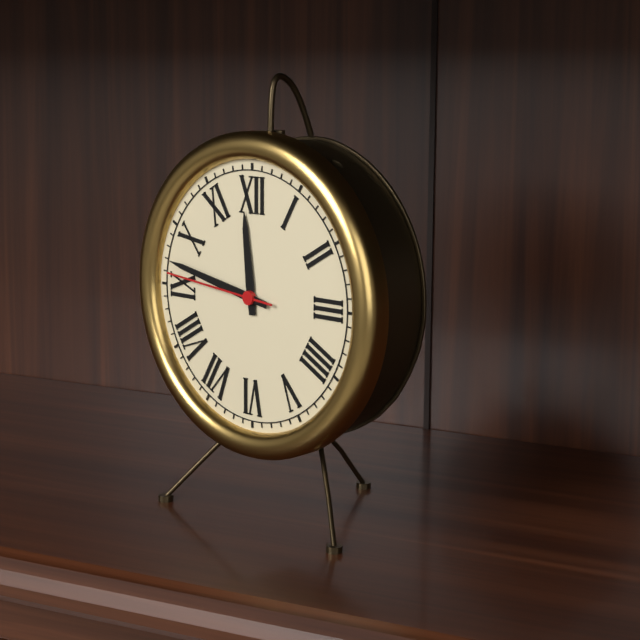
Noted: {"hour": 11, "minute": 47, "second": 46}
